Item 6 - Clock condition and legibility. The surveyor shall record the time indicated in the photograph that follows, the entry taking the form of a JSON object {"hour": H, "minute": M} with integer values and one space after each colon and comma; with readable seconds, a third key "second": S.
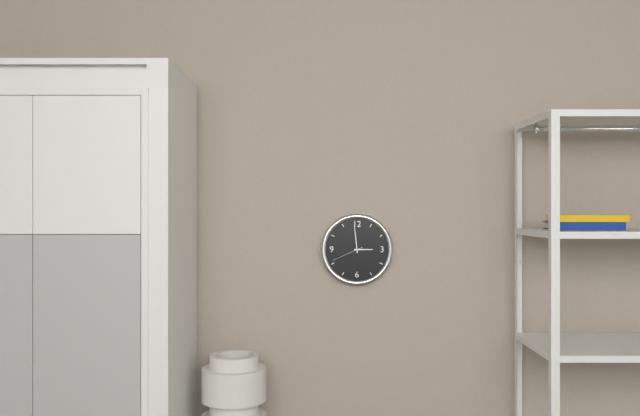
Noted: {"hour": 2, "minute": 59}
